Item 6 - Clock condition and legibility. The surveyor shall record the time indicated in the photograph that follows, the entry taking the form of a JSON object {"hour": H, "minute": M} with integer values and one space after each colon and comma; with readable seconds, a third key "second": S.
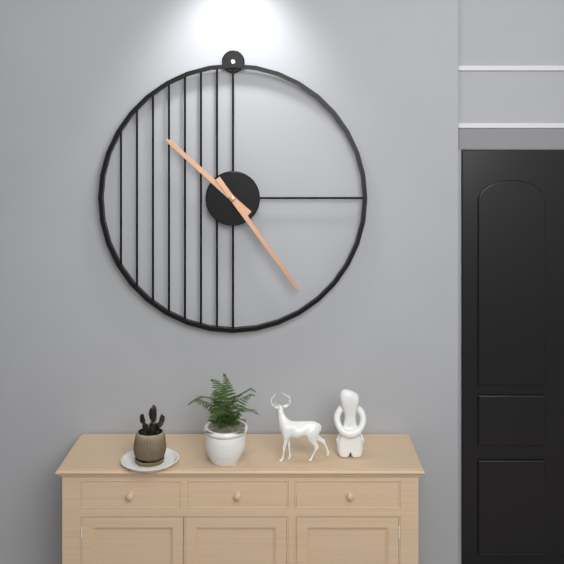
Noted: {"hour": 10, "minute": 24}
